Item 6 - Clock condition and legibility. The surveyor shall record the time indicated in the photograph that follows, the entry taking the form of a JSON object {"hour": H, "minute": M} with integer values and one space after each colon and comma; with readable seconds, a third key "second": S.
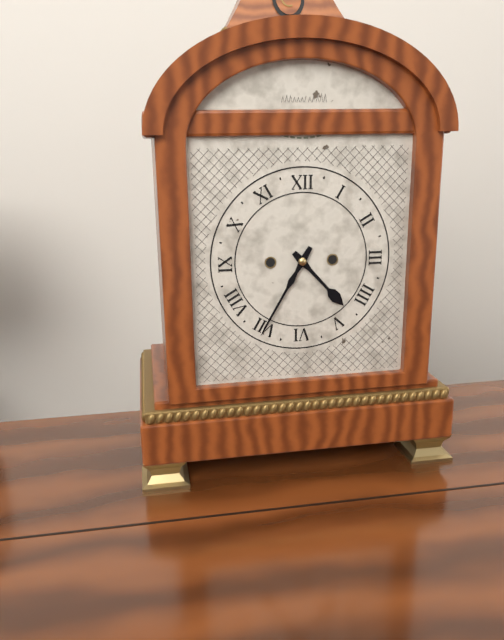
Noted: {"hour": 4, "minute": 35}
